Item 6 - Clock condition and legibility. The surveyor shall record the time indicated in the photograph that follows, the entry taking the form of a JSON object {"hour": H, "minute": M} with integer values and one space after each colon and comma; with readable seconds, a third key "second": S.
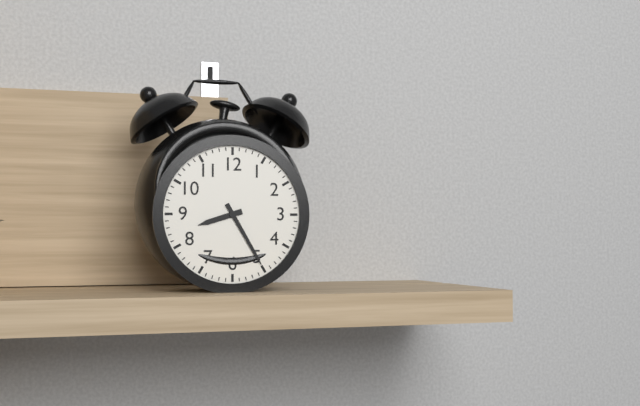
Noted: {"hour": 8, "minute": 25}
